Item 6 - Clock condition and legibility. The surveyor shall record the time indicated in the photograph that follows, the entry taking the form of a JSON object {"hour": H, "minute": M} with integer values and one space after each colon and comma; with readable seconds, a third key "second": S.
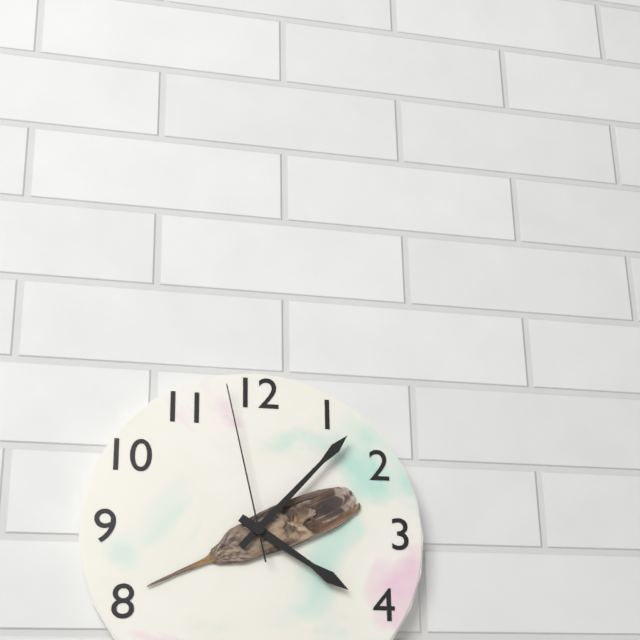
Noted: {"hour": 4, "minute": 7, "second": 58}
